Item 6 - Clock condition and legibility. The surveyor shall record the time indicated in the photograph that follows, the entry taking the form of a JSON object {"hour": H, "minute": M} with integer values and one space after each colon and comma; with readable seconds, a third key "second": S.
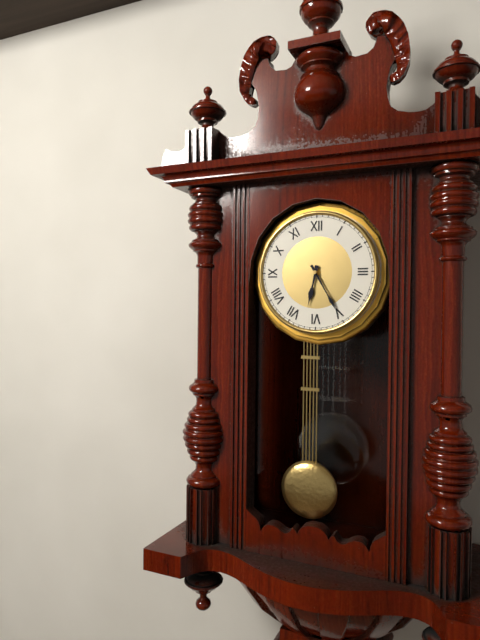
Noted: {"hour": 6, "minute": 25}
